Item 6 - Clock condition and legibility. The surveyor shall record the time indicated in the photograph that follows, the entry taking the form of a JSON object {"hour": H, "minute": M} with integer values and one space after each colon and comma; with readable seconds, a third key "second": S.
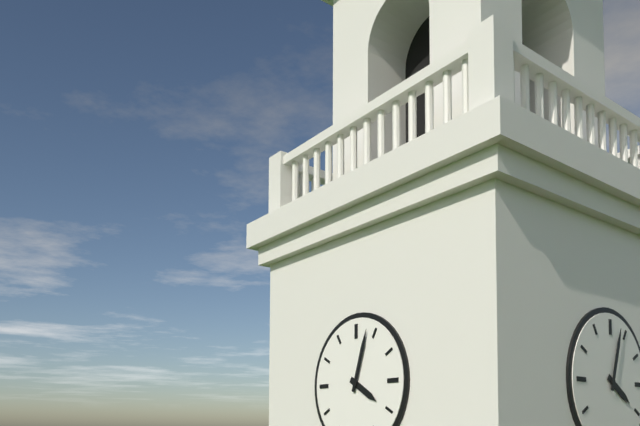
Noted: {"hour": 4, "minute": 3}
